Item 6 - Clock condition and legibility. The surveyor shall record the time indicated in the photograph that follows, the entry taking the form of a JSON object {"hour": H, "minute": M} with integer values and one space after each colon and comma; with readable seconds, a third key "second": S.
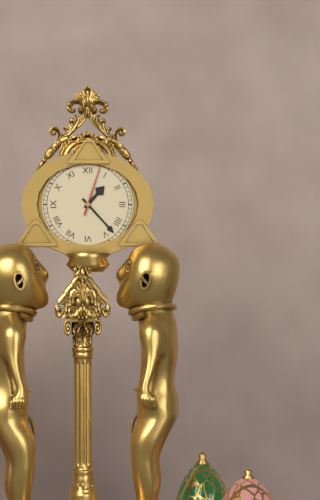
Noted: {"hour": 1, "minute": 23, "second": 3}
